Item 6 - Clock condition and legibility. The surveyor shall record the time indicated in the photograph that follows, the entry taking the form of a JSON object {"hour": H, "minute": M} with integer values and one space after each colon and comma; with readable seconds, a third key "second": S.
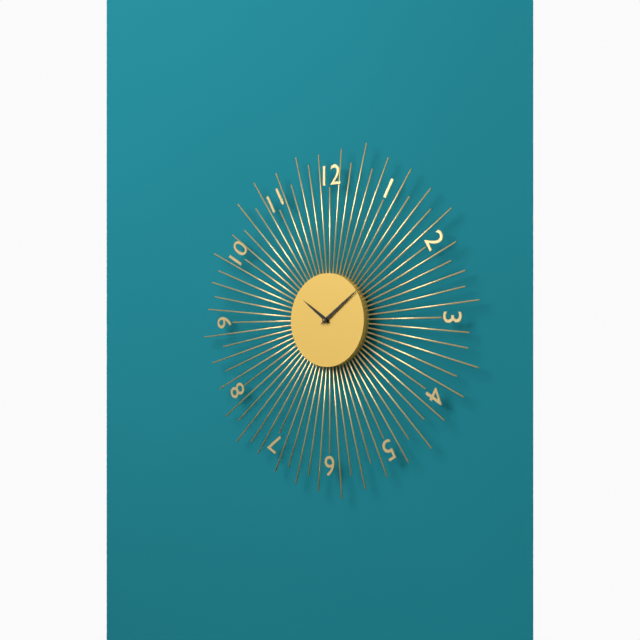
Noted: {"hour": 10, "minute": 9}
